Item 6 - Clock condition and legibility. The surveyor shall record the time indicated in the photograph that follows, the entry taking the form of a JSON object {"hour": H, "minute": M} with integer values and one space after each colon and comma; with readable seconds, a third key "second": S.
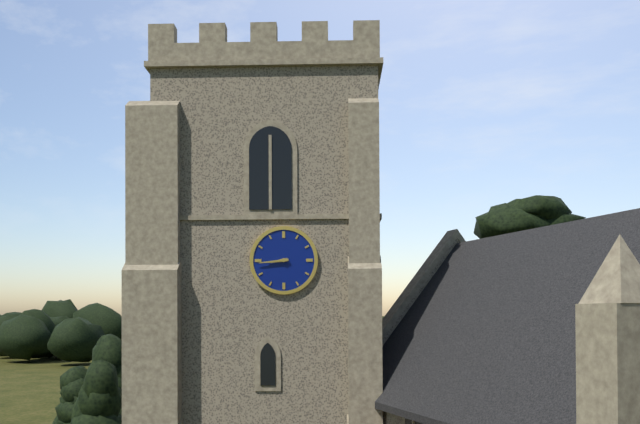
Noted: {"hour": 8, "minute": 44}
